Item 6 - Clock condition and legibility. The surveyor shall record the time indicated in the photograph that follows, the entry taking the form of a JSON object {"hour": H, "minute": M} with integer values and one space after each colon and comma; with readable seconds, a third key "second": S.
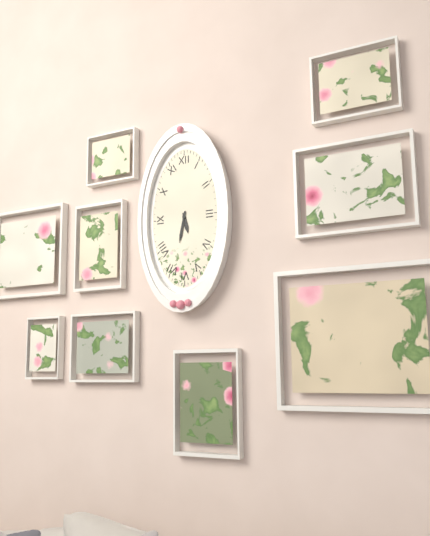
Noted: {"hour": 5, "minute": 32}
